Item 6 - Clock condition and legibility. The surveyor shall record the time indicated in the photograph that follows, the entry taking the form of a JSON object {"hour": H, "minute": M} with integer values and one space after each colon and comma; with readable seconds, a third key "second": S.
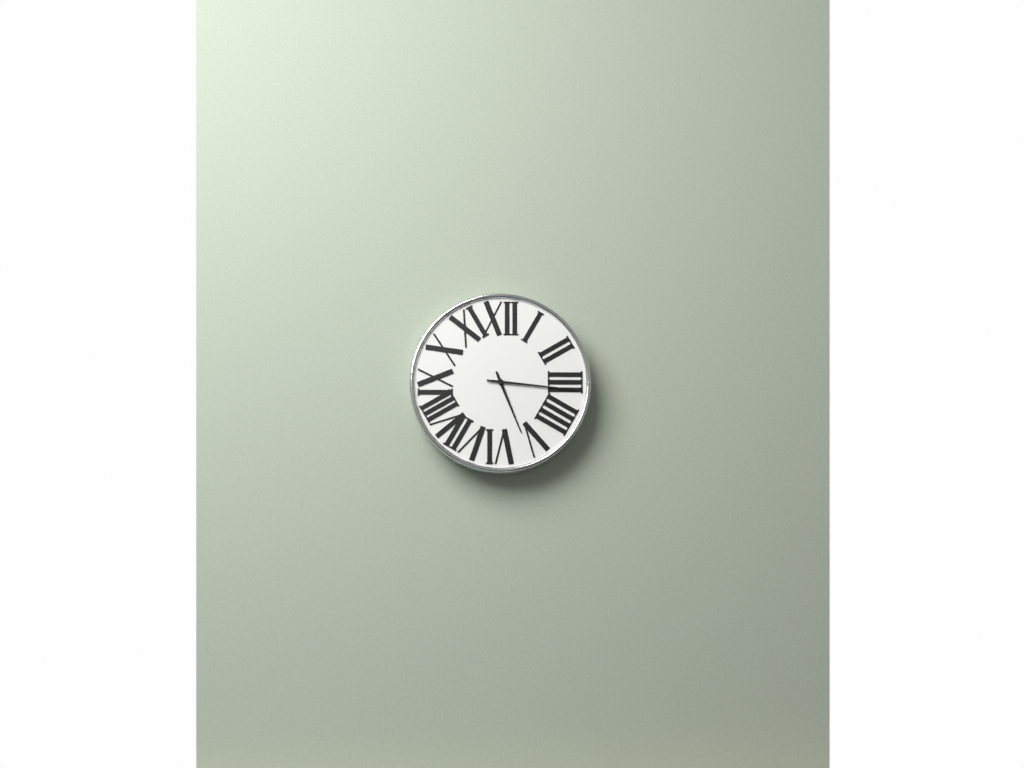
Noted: {"hour": 5, "minute": 16}
